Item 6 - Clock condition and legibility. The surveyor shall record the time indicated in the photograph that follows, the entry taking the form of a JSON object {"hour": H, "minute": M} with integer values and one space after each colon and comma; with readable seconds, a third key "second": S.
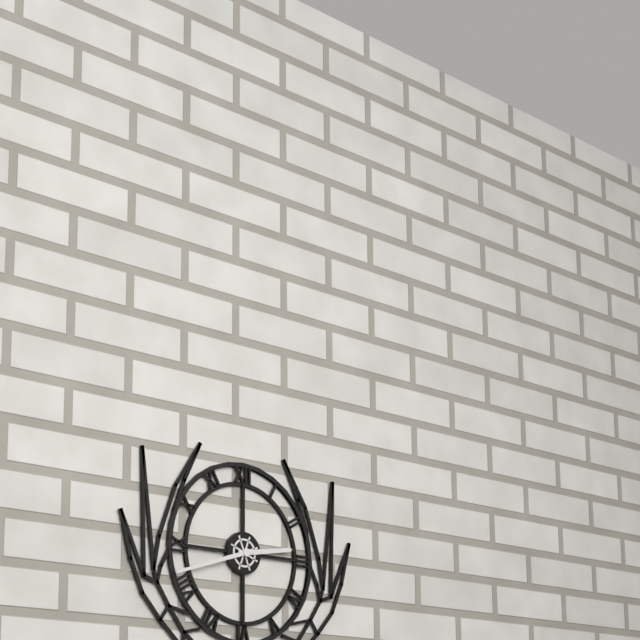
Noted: {"hour": 2, "minute": 42}
